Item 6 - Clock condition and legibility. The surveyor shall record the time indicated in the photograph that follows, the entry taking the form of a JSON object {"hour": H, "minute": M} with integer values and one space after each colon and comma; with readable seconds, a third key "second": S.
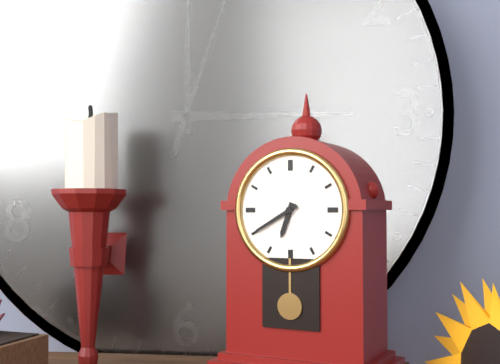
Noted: {"hour": 6, "minute": 40}
